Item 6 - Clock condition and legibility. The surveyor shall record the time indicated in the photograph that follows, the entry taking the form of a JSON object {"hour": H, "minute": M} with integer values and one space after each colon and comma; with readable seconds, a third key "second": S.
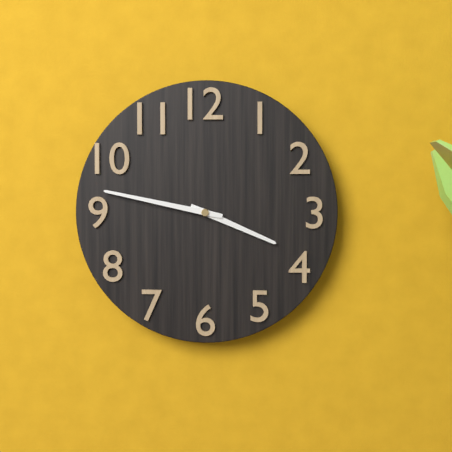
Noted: {"hour": 3, "minute": 47}
